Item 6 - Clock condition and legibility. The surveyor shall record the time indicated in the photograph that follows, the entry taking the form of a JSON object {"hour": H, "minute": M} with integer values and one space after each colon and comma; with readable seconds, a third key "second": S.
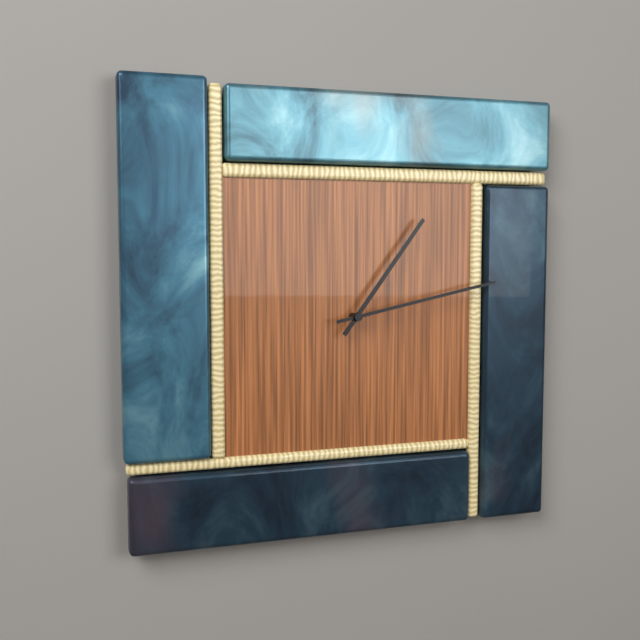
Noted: {"hour": 1, "minute": 13}
